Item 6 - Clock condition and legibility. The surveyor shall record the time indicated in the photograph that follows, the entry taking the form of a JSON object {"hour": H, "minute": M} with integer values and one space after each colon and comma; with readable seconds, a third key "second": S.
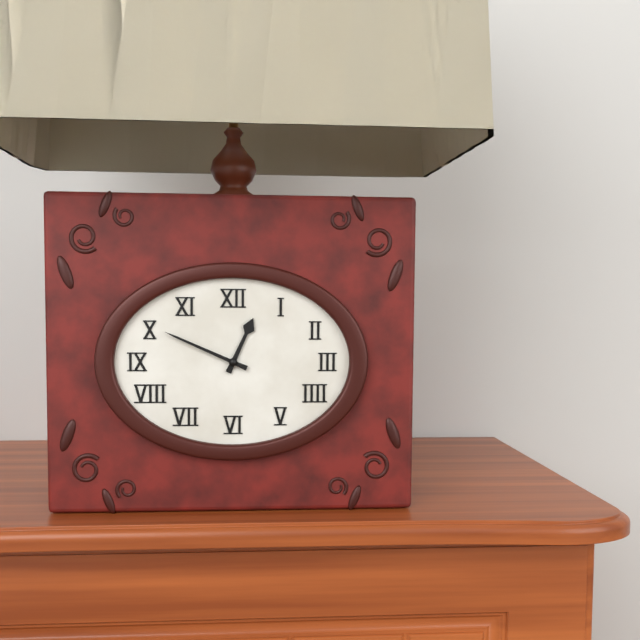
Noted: {"hour": 12, "minute": 49}
